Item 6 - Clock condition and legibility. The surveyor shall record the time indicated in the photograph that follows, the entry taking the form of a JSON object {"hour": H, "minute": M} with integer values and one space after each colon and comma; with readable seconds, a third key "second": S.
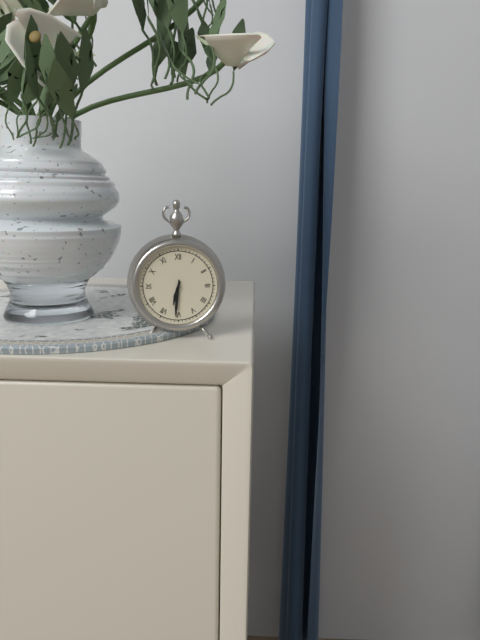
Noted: {"hour": 6, "minute": 31}
